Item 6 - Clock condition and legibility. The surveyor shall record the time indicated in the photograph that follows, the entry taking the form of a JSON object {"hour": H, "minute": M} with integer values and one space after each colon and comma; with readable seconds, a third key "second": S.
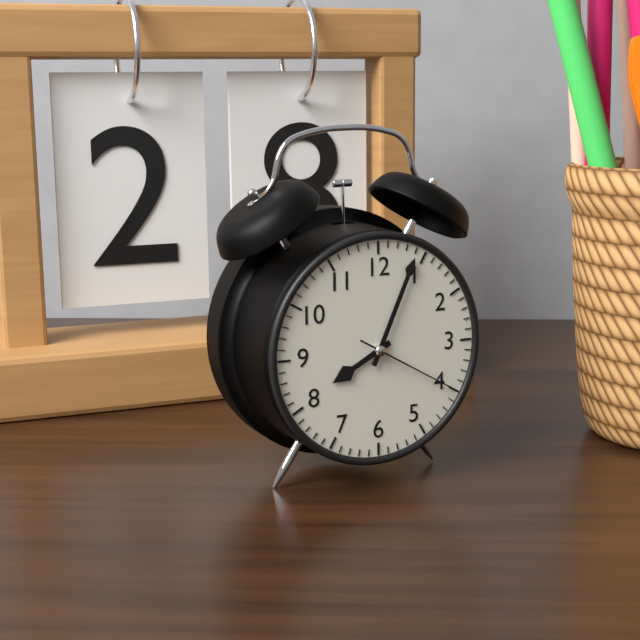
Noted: {"hour": 8, "minute": 4, "second": 20}
